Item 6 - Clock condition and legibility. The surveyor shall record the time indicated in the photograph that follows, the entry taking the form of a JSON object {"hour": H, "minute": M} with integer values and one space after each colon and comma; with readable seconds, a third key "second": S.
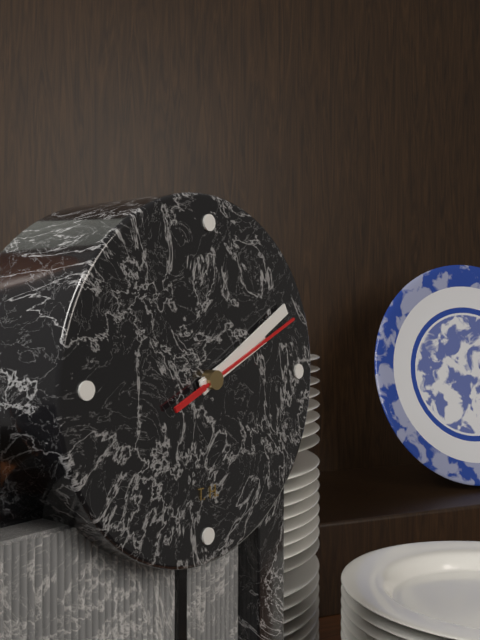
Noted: {"hour": 2, "minute": 10, "second": 11}
